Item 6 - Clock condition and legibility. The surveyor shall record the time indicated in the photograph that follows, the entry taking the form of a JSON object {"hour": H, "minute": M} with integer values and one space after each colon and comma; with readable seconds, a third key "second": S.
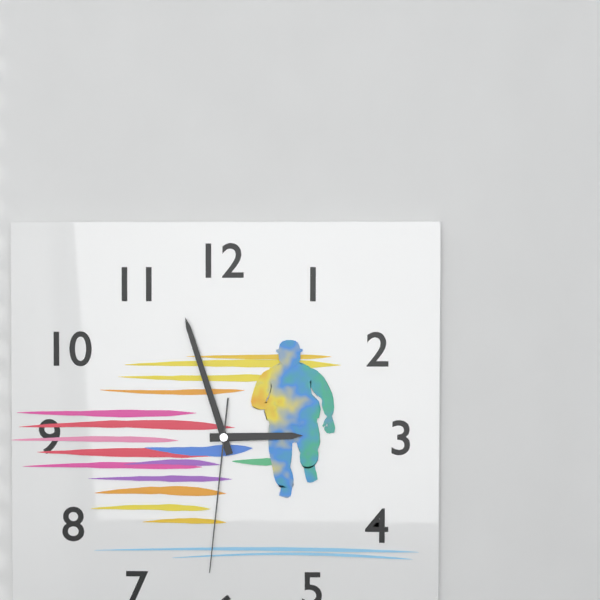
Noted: {"hour": 2, "minute": 57, "second": 31}
